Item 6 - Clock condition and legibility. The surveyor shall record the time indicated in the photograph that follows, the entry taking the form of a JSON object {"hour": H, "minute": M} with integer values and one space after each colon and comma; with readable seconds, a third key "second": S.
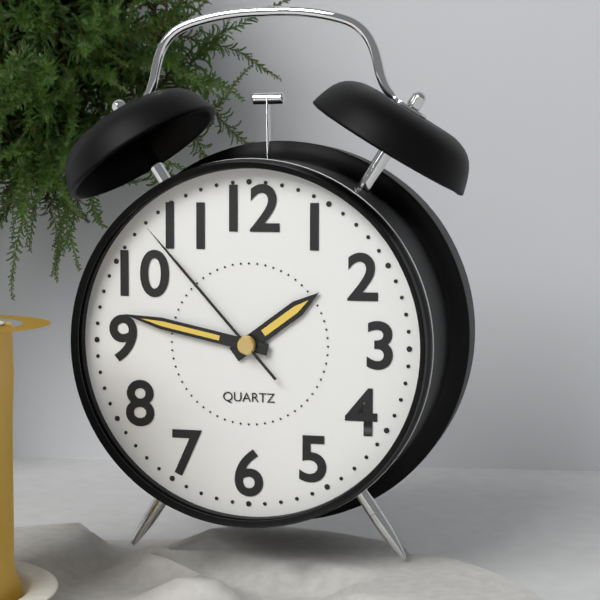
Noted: {"hour": 1, "minute": 47, "second": 53}
